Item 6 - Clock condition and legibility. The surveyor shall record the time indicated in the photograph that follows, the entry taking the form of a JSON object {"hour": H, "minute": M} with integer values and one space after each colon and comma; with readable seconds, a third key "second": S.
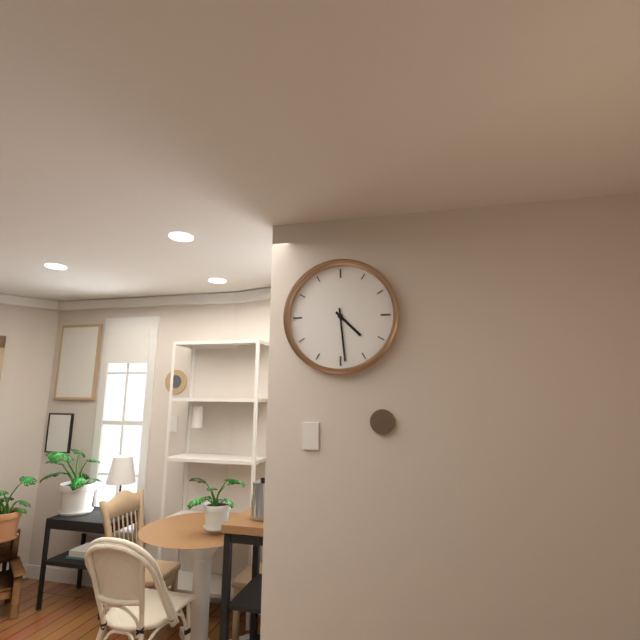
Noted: {"hour": 4, "minute": 29}
